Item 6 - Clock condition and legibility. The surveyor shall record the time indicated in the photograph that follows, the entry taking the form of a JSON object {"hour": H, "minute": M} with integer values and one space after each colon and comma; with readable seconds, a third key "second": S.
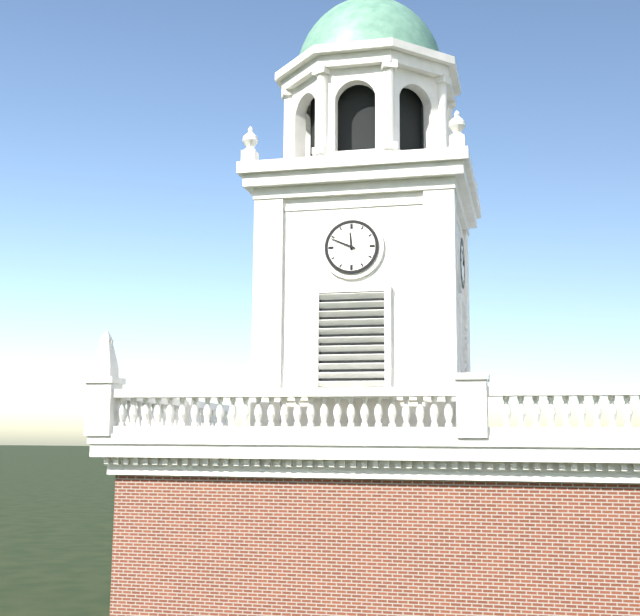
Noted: {"hour": 11, "minute": 49}
